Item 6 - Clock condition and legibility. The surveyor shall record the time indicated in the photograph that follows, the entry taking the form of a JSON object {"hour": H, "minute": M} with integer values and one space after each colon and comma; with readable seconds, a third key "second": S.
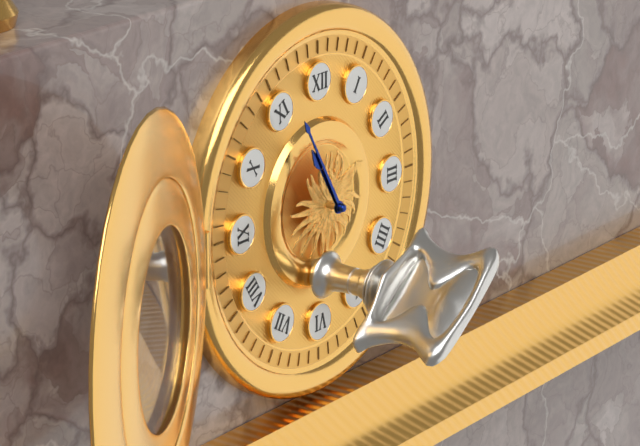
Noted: {"hour": 10, "minute": 55}
